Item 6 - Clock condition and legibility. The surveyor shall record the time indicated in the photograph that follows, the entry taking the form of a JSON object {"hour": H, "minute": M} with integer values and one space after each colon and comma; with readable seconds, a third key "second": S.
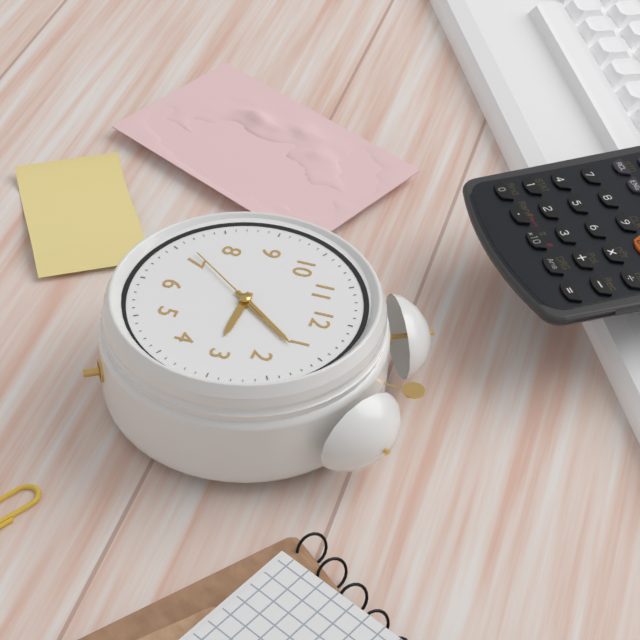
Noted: {"hour": 3, "minute": 6, "second": 36}
